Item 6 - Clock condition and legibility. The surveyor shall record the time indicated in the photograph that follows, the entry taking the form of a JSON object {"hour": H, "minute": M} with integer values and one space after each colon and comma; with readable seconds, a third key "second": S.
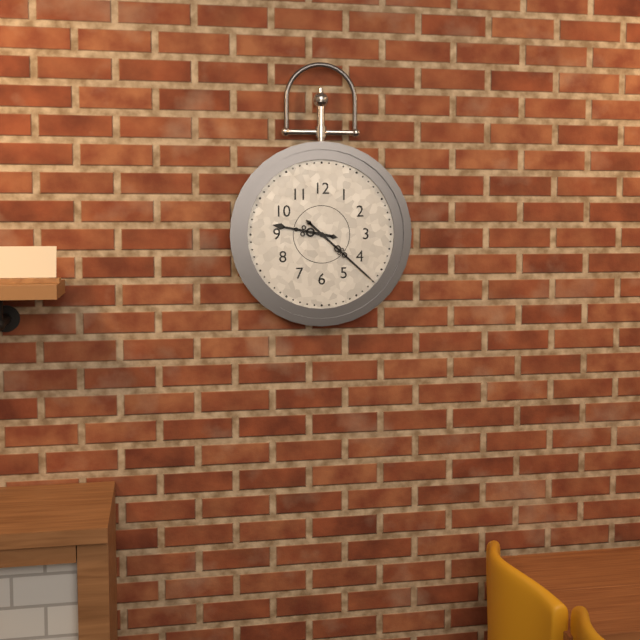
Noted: {"hour": 9, "minute": 22}
